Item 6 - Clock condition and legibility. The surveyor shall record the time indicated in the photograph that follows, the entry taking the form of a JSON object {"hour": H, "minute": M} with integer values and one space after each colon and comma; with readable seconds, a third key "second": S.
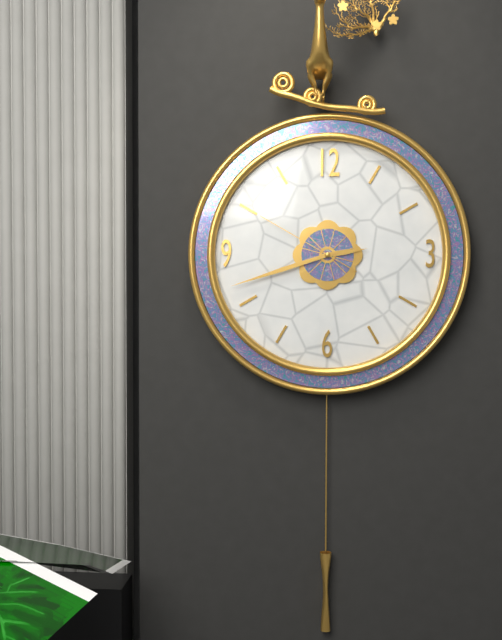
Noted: {"hour": 2, "minute": 42, "second": 50}
